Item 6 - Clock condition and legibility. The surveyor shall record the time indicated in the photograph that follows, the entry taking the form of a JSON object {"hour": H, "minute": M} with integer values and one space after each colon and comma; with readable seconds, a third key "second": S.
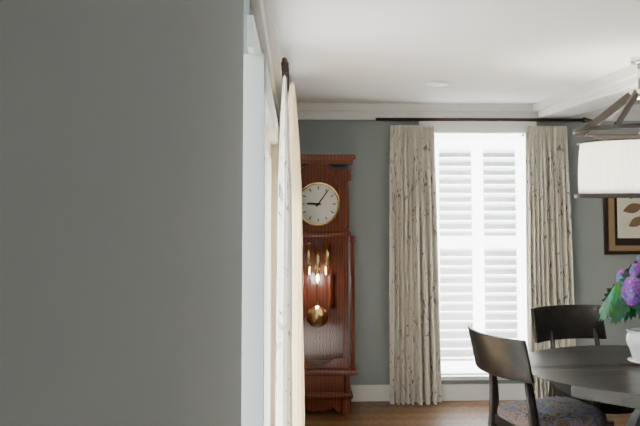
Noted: {"hour": 9, "minute": 6}
